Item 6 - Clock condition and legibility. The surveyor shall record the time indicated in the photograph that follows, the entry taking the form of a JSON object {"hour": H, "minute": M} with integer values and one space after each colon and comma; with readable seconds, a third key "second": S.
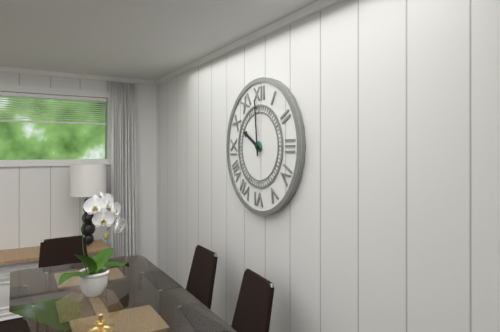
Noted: {"hour": 9, "minute": 59}
